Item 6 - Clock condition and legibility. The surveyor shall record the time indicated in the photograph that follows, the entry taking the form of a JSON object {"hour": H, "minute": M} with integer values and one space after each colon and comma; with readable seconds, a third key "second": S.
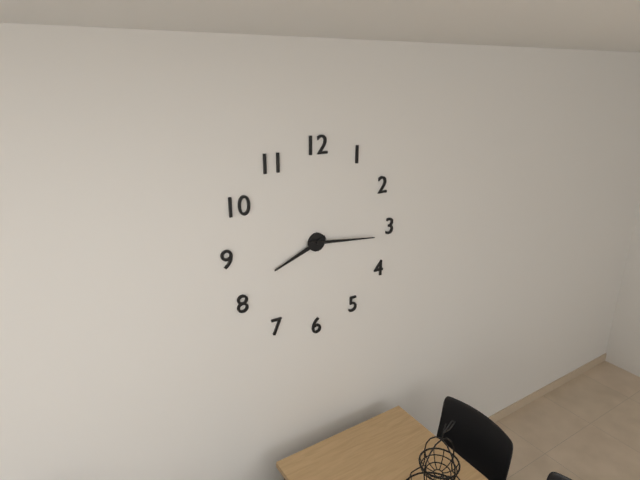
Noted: {"hour": 8, "minute": 16}
